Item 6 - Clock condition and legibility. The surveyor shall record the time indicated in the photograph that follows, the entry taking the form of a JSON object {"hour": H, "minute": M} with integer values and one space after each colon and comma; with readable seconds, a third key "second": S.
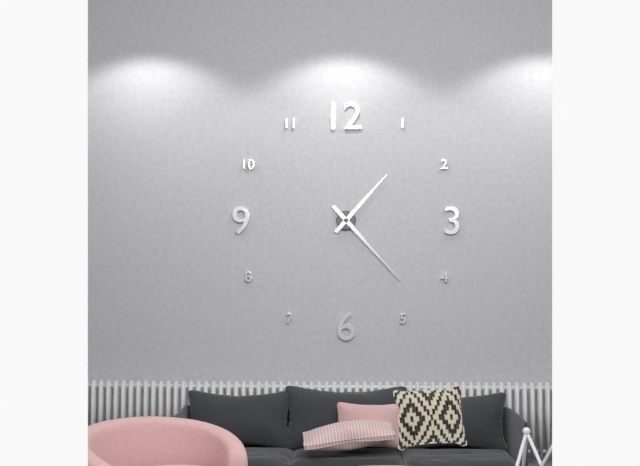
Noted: {"hour": 1, "minute": 23}
